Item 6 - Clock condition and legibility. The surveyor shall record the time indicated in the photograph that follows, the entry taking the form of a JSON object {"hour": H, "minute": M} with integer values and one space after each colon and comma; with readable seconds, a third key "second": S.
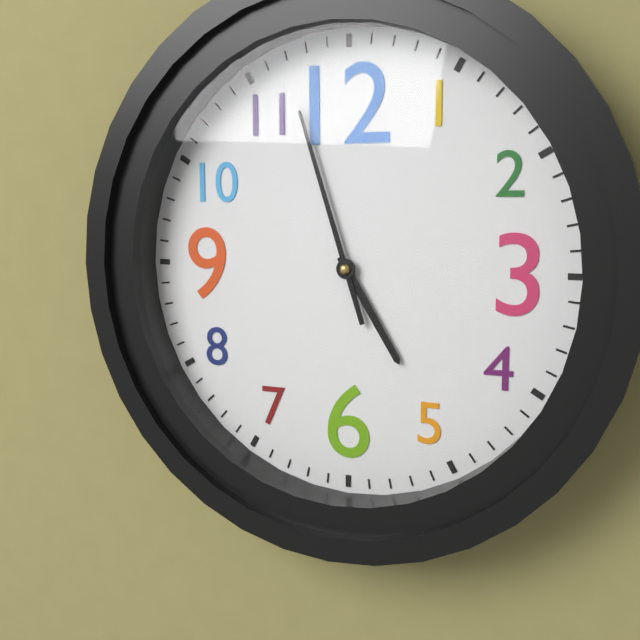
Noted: {"hour": 4, "minute": 57}
